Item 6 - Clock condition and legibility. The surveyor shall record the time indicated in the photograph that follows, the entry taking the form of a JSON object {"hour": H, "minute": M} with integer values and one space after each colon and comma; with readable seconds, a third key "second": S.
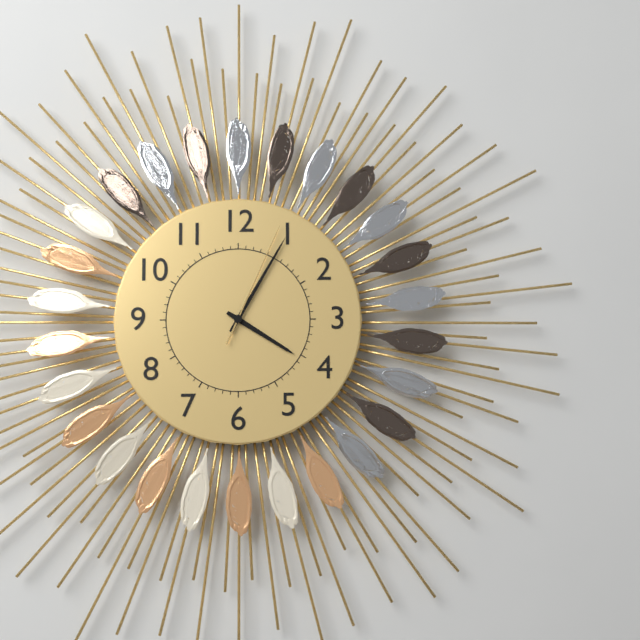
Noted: {"hour": 4, "minute": 5, "second": 4}
